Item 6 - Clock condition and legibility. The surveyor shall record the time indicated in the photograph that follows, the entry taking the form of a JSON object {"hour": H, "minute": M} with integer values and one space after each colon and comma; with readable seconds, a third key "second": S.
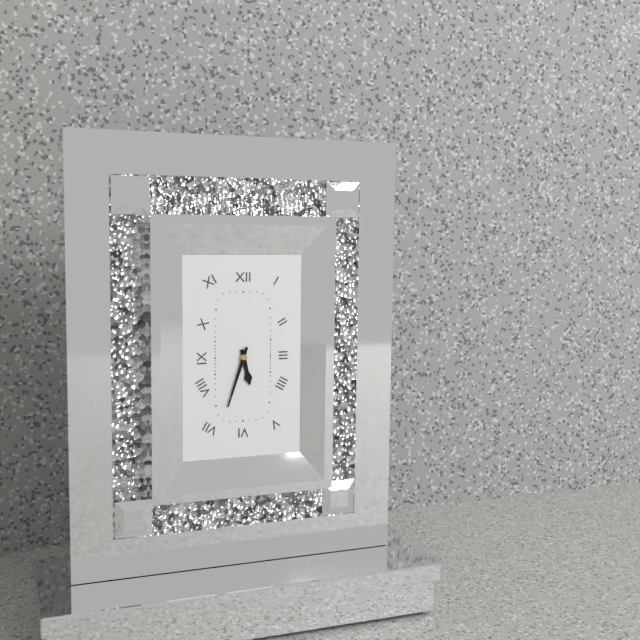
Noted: {"hour": 5, "minute": 33}
